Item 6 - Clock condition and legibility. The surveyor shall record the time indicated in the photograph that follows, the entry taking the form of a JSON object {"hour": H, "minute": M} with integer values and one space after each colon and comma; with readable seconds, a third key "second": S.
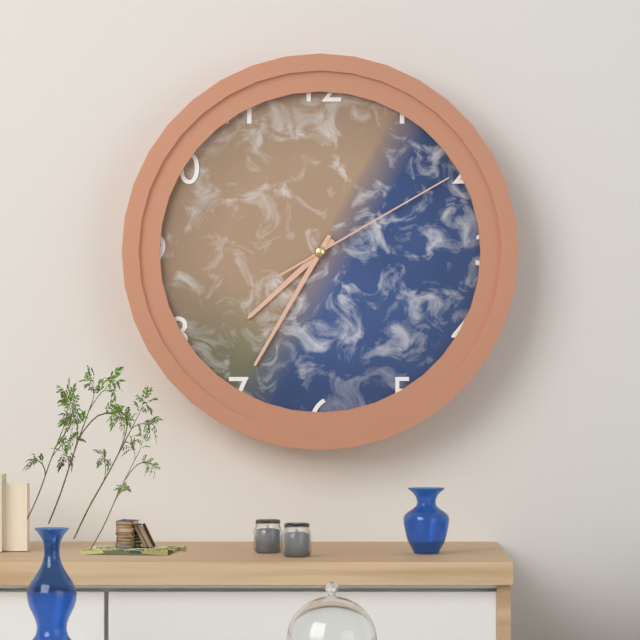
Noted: {"hour": 7, "minute": 35, "second": 10}
